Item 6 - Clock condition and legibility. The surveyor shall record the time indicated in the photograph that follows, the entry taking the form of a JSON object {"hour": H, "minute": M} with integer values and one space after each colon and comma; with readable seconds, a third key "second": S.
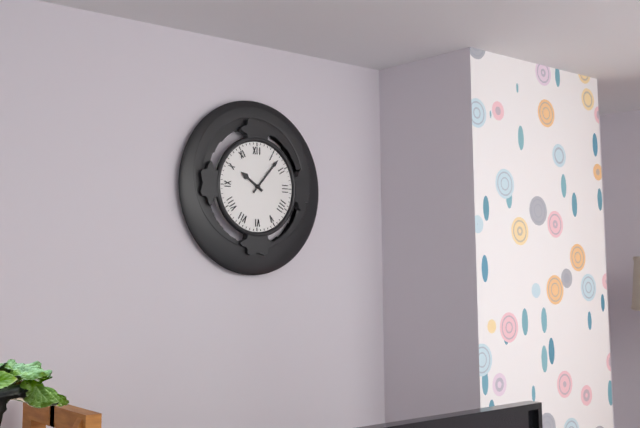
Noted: {"hour": 10, "minute": 7}
